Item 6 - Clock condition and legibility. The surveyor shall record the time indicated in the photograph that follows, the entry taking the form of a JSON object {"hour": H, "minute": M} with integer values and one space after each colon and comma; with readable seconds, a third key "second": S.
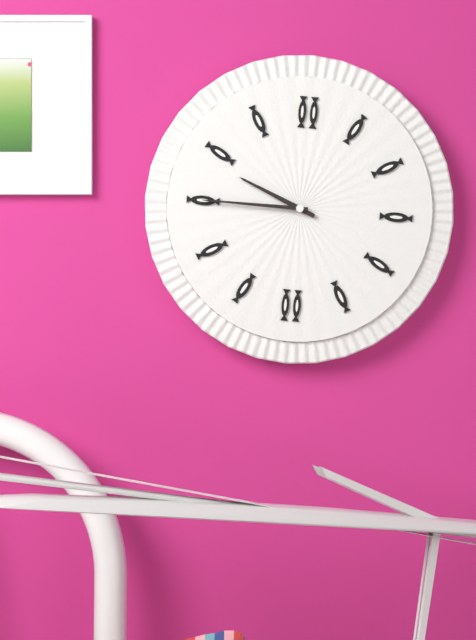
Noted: {"hour": 9, "minute": 45}
